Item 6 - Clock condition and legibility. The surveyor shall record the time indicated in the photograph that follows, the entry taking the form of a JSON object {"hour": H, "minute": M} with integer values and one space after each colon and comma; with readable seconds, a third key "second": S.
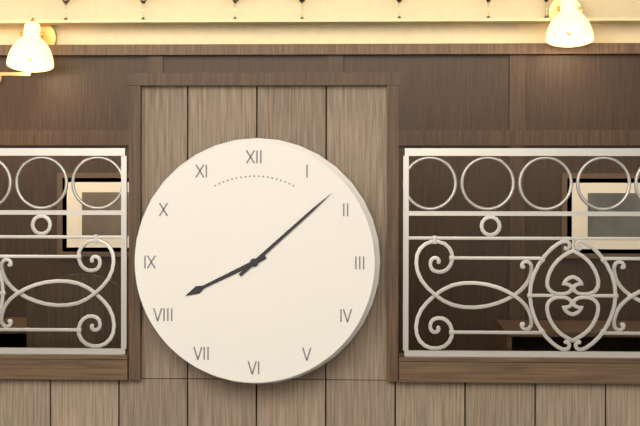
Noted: {"hour": 8, "minute": 8}
